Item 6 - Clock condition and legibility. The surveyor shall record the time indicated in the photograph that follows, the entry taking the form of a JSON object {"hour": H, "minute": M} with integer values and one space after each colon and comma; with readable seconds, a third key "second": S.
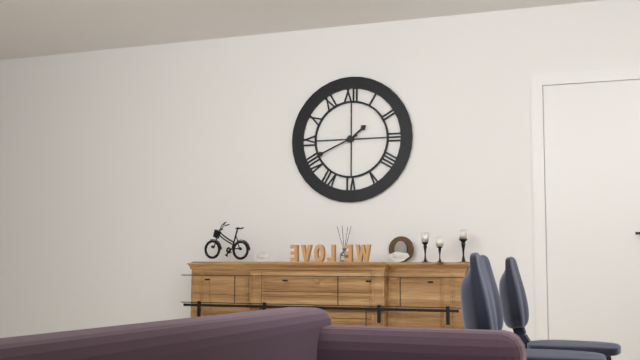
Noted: {"hour": 1, "minute": 41}
